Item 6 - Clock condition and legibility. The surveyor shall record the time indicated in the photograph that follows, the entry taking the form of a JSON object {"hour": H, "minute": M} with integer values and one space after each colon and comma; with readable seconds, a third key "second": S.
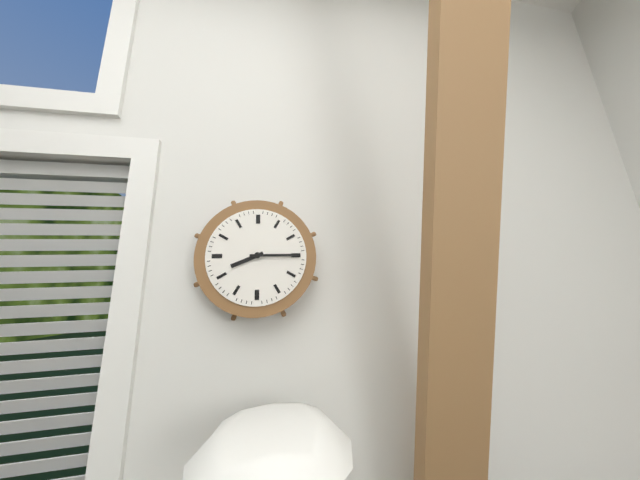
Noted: {"hour": 8, "minute": 15}
